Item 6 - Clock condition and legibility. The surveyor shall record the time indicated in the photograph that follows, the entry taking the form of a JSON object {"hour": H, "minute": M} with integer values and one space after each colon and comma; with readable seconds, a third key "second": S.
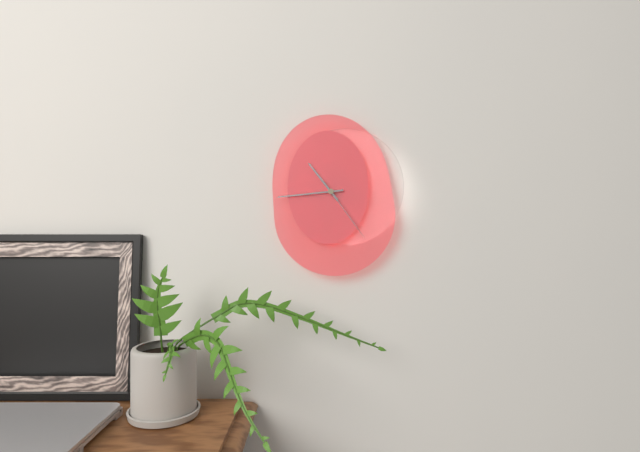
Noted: {"hour": 10, "minute": 44, "second": 24}
